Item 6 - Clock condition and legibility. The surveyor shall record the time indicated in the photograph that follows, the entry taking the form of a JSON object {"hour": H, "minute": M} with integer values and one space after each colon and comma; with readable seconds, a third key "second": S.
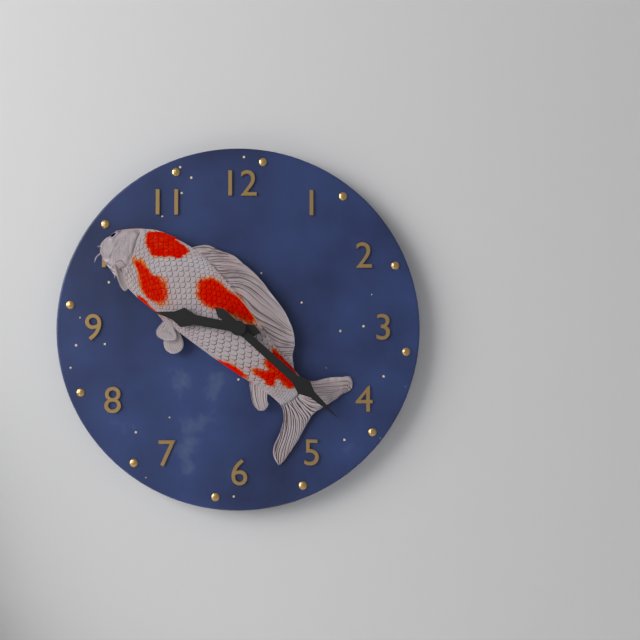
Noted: {"hour": 9, "minute": 22}
